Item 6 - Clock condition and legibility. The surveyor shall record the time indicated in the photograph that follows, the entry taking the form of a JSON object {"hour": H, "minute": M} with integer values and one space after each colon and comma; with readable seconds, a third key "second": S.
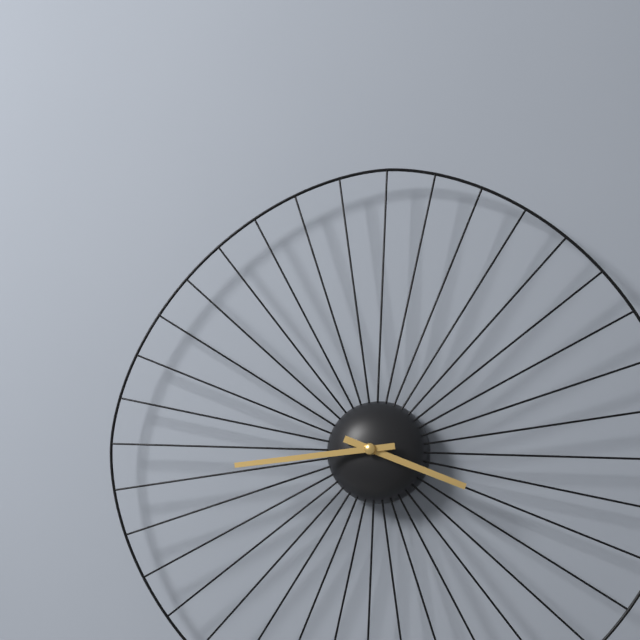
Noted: {"hour": 3, "minute": 44}
